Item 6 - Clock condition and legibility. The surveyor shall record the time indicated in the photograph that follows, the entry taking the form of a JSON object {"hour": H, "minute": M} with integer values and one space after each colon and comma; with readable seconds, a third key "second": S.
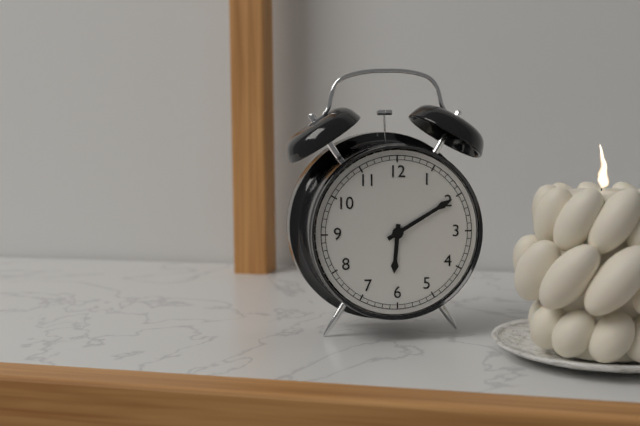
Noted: {"hour": 6, "minute": 10}
